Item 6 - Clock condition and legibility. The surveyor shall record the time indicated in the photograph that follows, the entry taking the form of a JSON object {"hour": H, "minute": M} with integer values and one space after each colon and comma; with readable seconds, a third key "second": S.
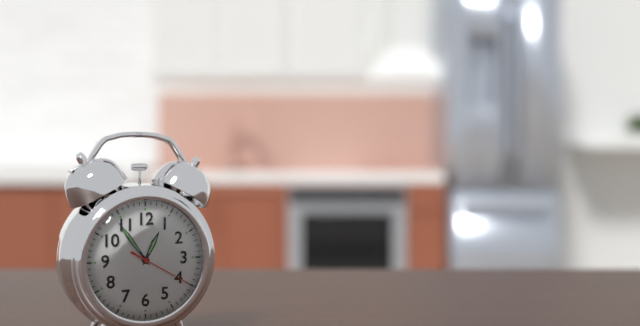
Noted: {"hour": 12, "minute": 54, "second": 20}
